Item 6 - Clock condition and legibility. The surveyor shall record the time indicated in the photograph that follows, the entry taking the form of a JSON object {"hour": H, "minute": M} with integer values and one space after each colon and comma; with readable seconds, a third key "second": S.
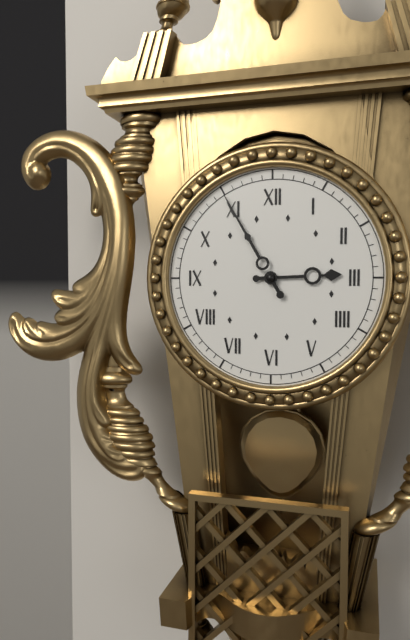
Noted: {"hour": 2, "minute": 55}
